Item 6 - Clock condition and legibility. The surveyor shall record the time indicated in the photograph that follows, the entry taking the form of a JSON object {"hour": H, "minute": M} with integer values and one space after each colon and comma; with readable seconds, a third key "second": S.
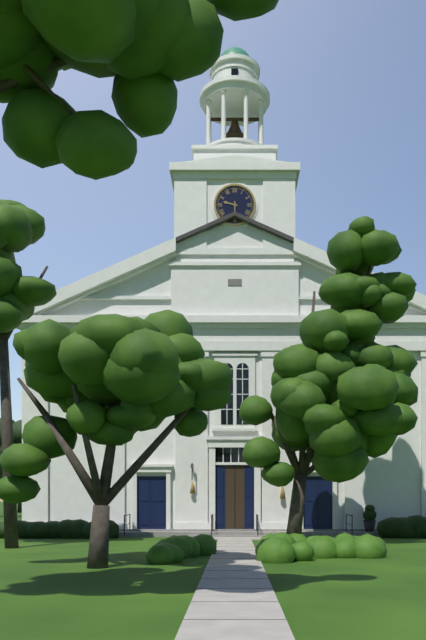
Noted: {"hour": 9, "minute": 30}
